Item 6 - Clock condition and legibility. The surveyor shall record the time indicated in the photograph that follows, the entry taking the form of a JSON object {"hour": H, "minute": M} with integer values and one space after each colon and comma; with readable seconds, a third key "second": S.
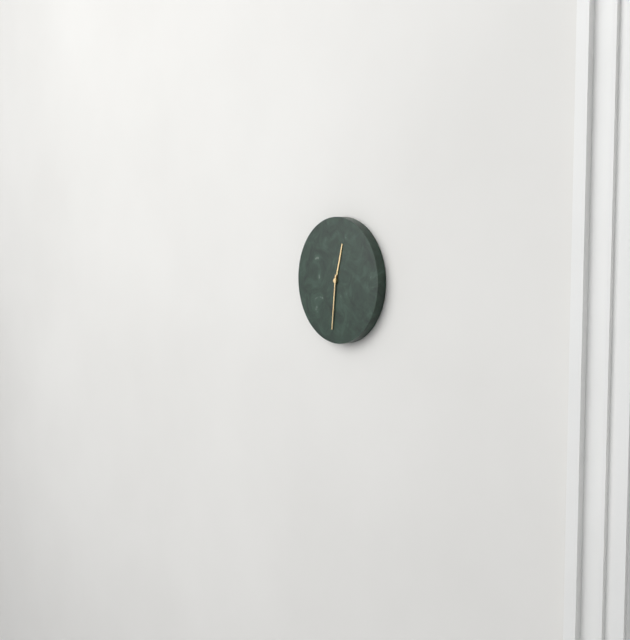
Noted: {"hour": 12, "minute": 31}
